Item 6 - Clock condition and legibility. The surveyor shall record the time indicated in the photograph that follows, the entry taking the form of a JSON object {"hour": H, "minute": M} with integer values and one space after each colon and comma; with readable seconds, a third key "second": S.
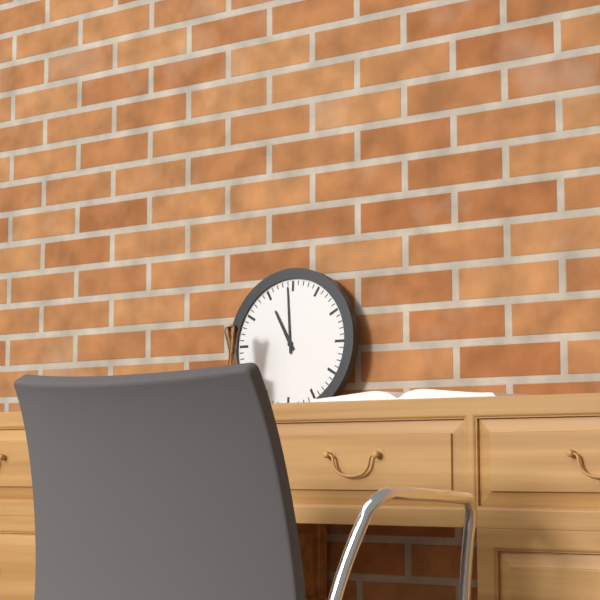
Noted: {"hour": 10, "minute": 59}
